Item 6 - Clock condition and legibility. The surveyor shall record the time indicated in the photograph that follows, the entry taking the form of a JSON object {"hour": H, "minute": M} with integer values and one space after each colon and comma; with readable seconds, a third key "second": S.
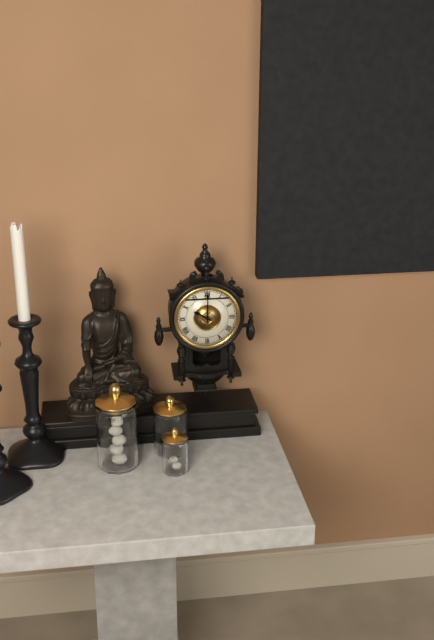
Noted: {"hour": 10, "minute": 0}
